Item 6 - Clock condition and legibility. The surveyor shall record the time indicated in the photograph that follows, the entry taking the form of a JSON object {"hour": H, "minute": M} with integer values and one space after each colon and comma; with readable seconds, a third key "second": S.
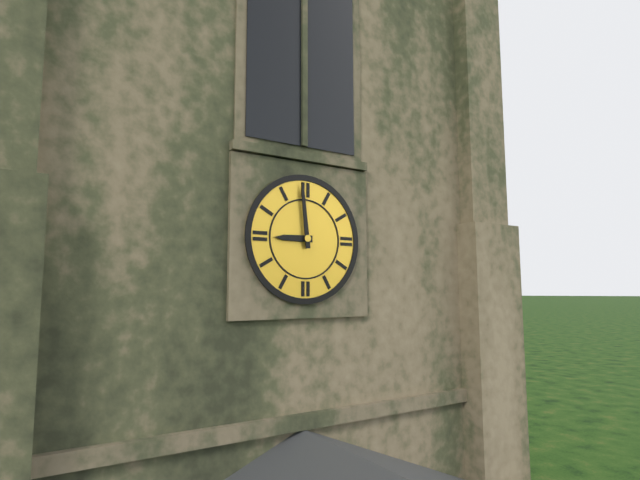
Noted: {"hour": 8, "minute": 59}
